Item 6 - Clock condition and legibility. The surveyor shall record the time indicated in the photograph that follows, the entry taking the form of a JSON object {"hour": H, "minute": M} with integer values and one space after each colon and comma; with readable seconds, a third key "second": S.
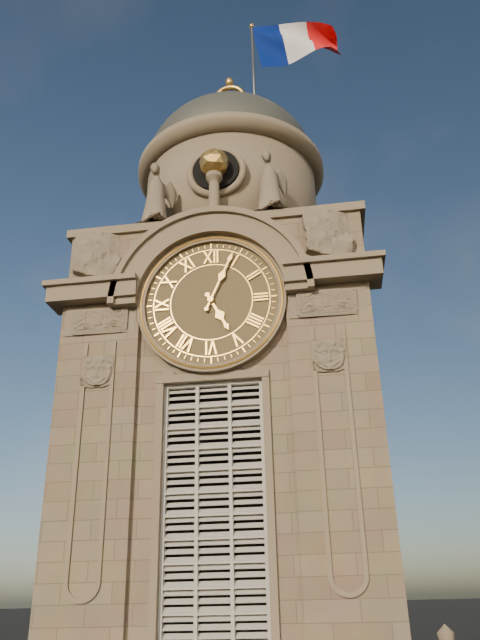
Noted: {"hour": 5, "minute": 4}
